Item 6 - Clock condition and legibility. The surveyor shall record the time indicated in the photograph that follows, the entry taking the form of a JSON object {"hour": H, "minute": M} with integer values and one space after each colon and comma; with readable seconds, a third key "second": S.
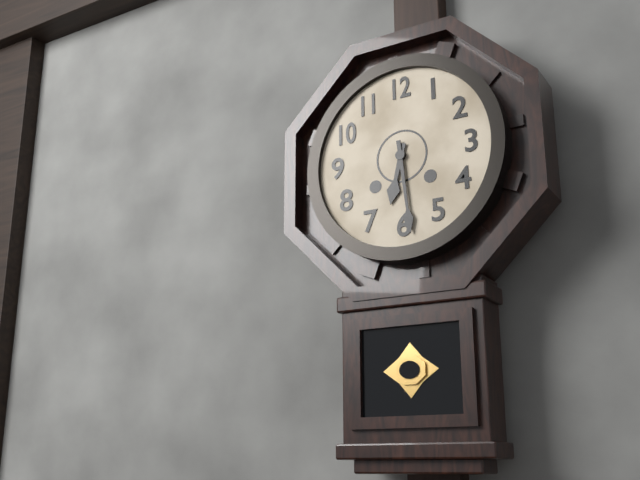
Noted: {"hour": 6, "minute": 29}
